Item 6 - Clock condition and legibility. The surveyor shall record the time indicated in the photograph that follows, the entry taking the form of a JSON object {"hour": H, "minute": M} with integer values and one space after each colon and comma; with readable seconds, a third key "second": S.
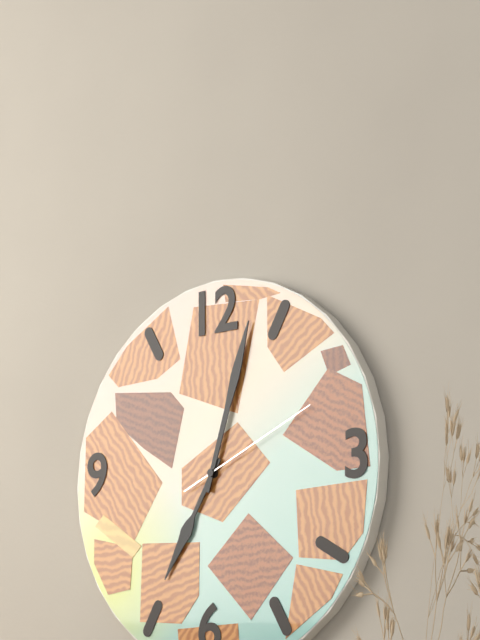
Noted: {"hour": 7, "minute": 3, "second": 11}
